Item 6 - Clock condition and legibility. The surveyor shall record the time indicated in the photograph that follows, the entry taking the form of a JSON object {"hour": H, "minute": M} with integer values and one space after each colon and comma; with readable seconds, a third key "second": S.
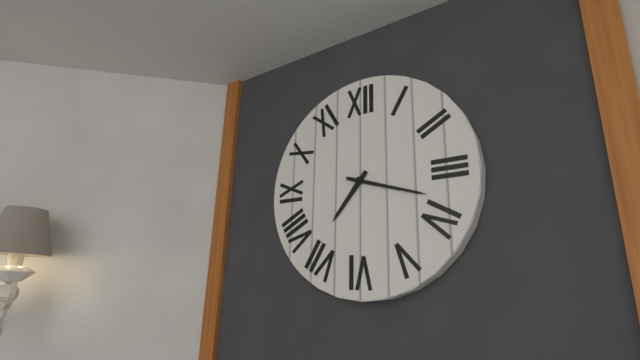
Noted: {"hour": 7, "minute": 18}
